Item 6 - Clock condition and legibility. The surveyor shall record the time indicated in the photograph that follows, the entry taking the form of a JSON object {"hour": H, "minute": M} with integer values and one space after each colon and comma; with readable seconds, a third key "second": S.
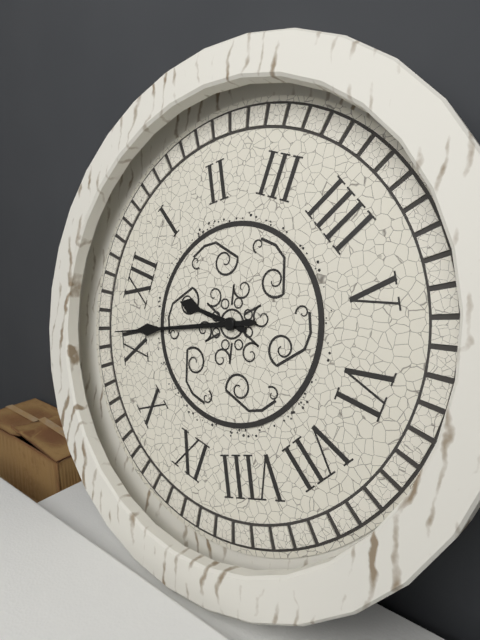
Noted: {"hour": 11, "minute": 56}
